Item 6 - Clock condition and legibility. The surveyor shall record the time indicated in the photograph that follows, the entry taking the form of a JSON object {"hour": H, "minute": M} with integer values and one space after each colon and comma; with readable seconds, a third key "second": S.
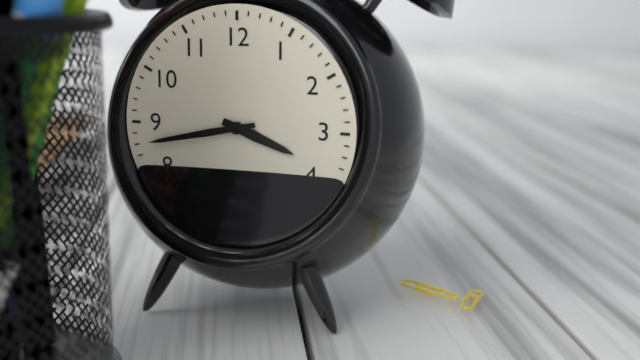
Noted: {"hour": 3, "minute": 43}
